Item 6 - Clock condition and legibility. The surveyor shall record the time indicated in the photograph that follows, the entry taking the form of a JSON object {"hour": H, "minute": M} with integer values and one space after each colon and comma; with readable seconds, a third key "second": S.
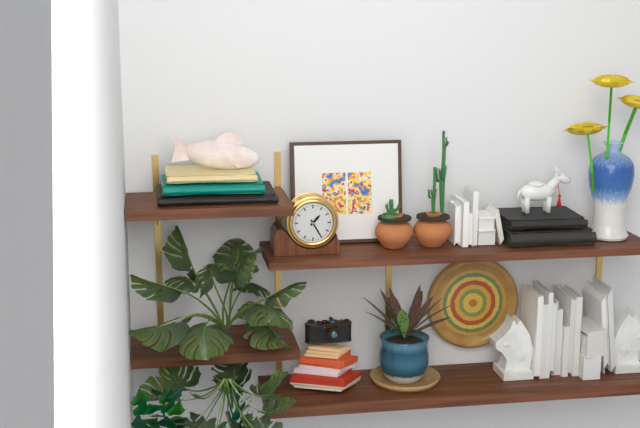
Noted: {"hour": 1, "minute": 25}
